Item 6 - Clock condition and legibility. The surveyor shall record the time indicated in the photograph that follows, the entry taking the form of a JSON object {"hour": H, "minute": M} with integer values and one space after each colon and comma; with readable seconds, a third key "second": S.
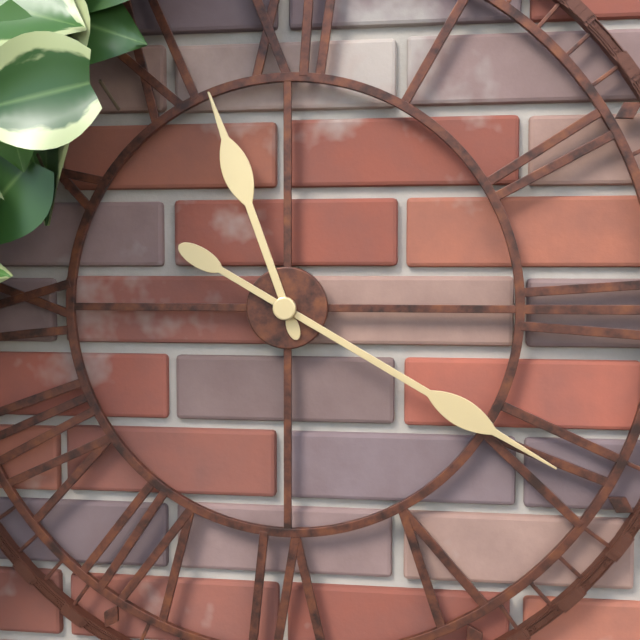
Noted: {"hour": 11, "minute": 20}
